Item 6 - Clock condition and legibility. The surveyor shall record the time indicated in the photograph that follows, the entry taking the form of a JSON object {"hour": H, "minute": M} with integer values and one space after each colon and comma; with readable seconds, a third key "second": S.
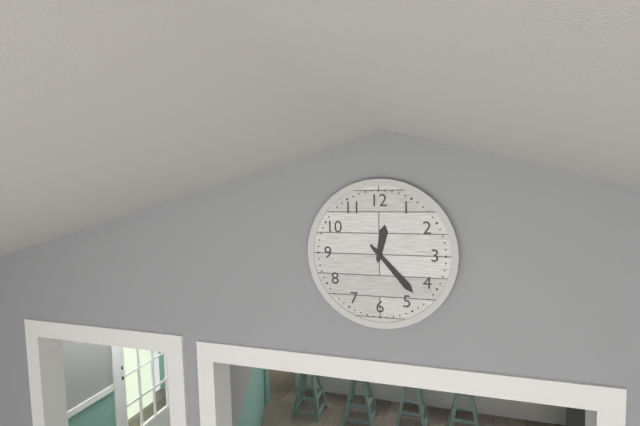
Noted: {"hour": 12, "minute": 23}
